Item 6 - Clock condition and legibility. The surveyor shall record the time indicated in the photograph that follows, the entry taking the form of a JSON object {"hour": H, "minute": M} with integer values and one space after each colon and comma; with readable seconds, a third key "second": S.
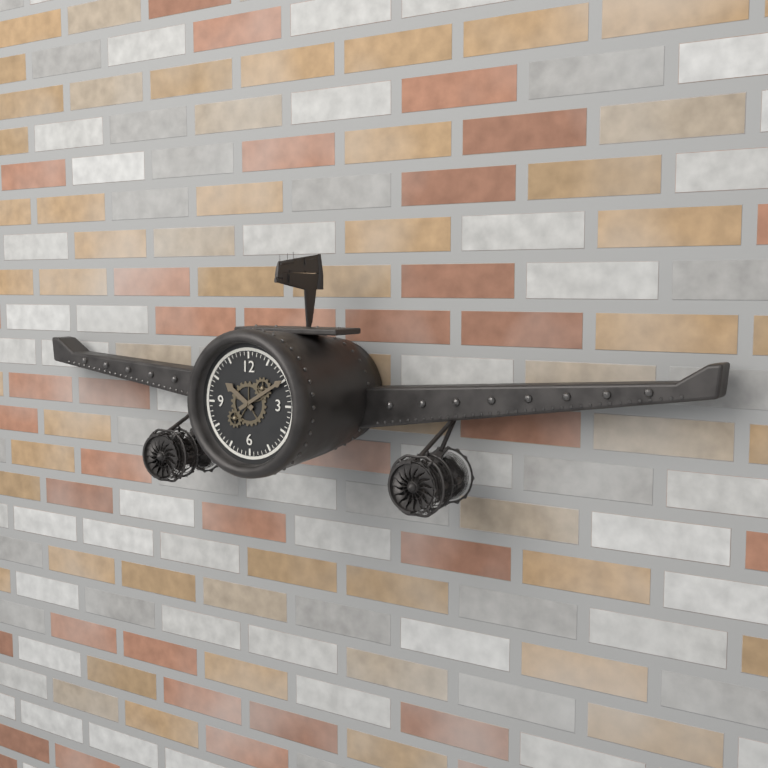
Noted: {"hour": 10, "minute": 10}
